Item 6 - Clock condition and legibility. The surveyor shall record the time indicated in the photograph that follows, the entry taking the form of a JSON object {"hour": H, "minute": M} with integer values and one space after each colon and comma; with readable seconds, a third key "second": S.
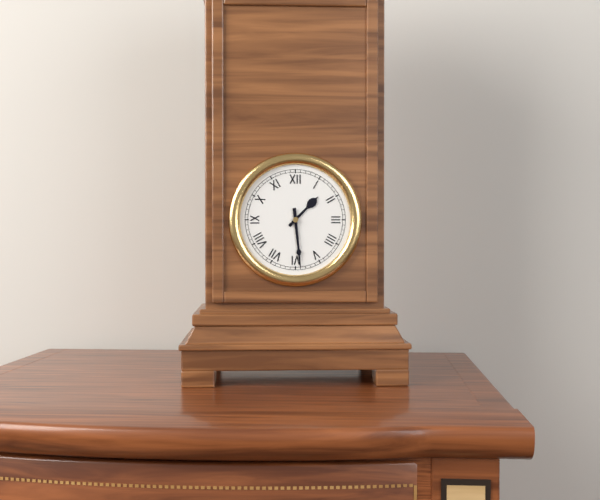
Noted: {"hour": 1, "minute": 29}
